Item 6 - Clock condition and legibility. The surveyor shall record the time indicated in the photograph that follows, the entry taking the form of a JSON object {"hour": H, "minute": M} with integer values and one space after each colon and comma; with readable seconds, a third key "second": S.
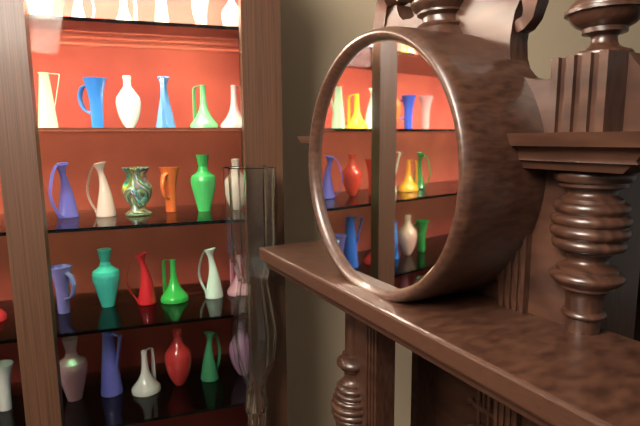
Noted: {"hour": 12, "minute": 57}
